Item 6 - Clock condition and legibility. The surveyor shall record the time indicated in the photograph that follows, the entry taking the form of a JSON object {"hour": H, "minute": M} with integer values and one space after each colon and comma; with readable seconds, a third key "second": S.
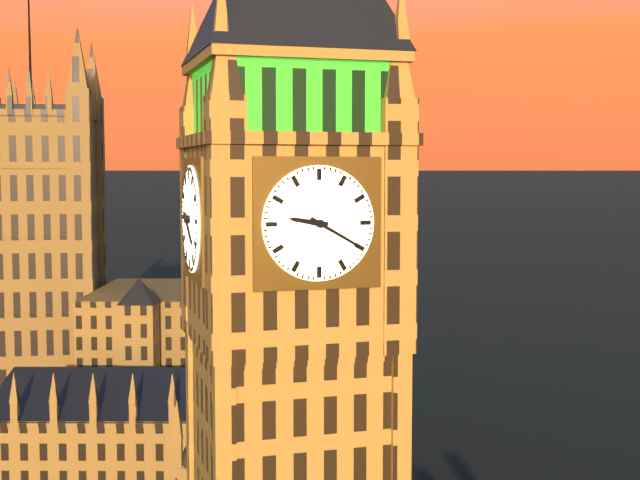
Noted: {"hour": 9, "minute": 20}
